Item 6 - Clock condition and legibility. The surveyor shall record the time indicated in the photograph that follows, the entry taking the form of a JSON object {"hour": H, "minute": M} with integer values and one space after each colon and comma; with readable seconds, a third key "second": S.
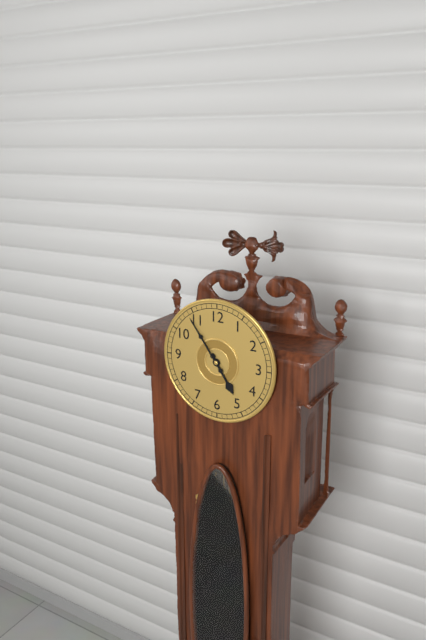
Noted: {"hour": 4, "minute": 54}
